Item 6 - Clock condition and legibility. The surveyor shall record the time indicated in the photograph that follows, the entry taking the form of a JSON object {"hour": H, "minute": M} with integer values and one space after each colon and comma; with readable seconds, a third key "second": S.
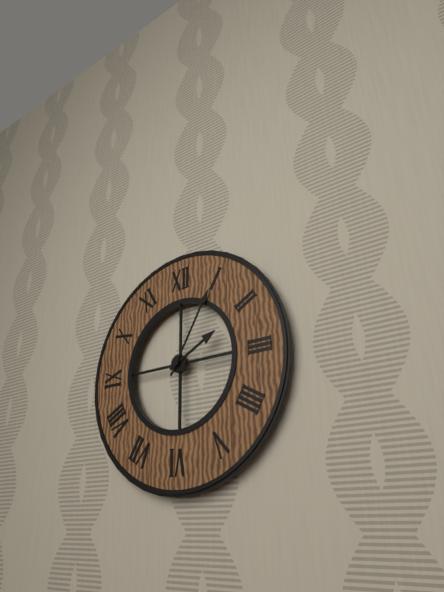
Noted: {"hour": 2, "minute": 5}
